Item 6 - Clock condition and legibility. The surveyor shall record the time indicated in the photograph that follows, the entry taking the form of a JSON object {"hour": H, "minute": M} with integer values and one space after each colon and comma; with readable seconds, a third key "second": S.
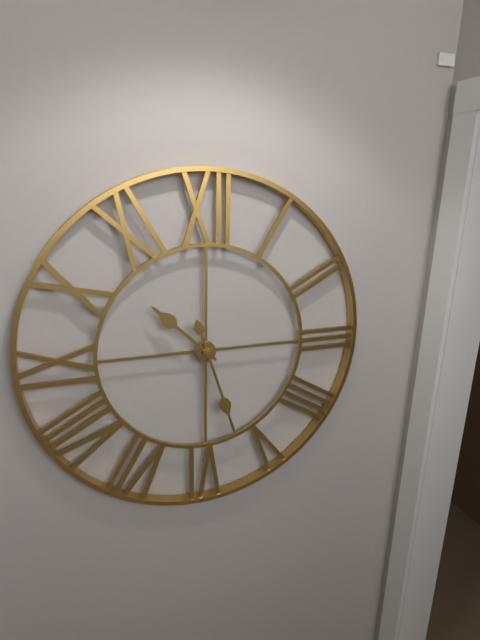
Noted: {"hour": 10, "minute": 27}
